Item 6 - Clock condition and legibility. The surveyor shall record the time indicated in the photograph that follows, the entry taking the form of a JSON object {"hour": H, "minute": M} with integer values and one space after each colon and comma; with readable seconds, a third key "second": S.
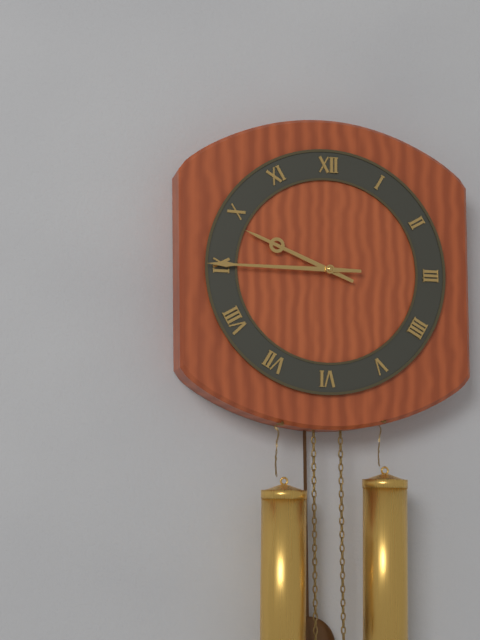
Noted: {"hour": 9, "minute": 45}
